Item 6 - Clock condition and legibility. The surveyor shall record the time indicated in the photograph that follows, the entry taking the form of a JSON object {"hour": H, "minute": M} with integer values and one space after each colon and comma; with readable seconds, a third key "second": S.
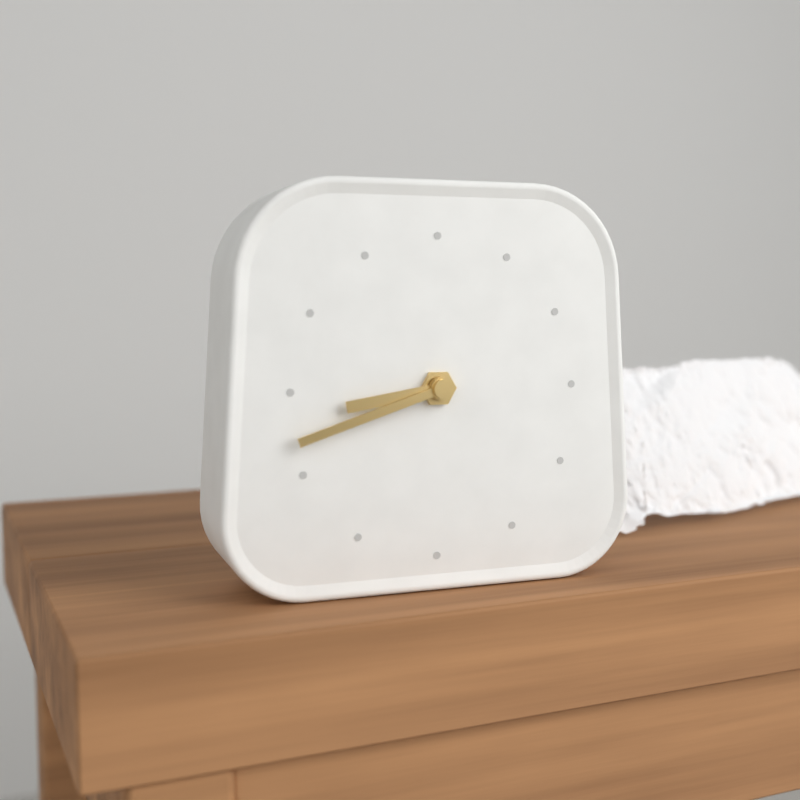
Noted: {"hour": 8, "minute": 42}
